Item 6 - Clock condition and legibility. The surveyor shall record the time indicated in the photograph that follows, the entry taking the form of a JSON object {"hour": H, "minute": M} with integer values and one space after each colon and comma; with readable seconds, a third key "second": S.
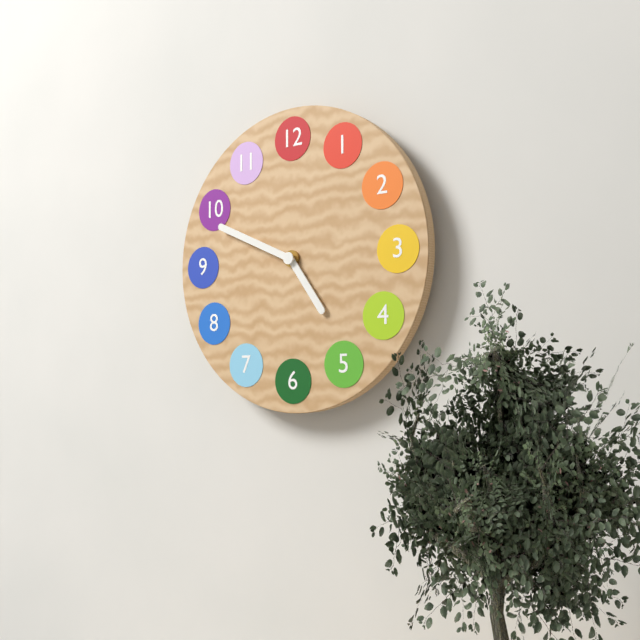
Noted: {"hour": 4, "minute": 49}
